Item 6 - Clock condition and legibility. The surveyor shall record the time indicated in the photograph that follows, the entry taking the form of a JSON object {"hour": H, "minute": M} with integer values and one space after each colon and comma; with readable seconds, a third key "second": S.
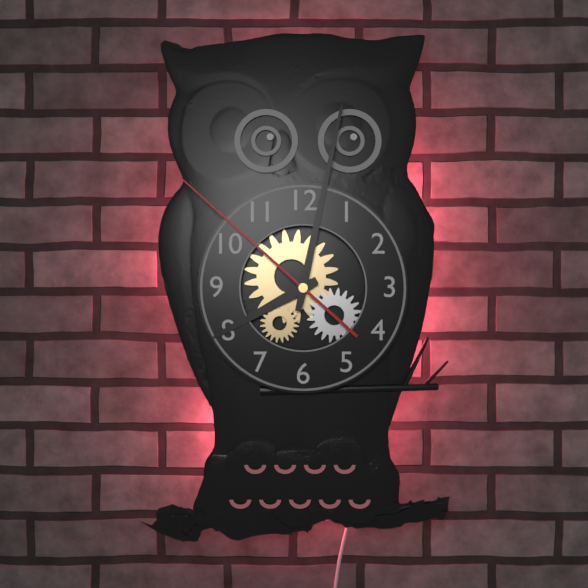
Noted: {"hour": 8, "minute": 2, "second": 52}
